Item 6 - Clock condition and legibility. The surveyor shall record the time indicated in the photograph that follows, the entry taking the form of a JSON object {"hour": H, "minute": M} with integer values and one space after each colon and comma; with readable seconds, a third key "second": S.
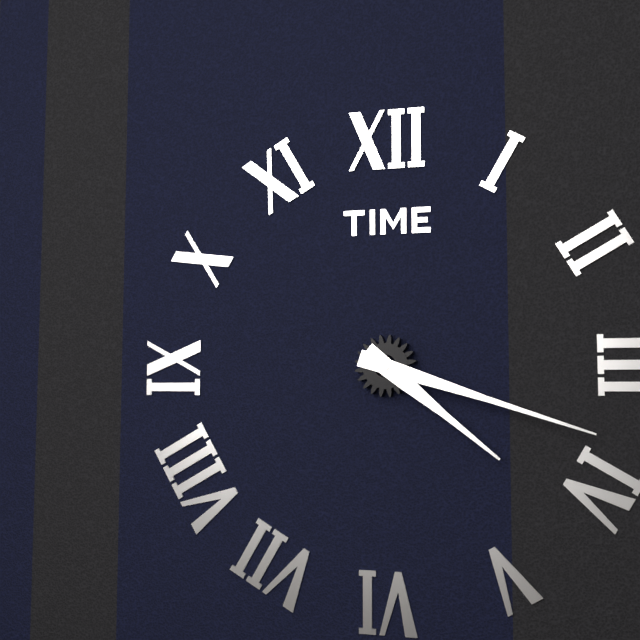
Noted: {"hour": 4, "minute": 18}
